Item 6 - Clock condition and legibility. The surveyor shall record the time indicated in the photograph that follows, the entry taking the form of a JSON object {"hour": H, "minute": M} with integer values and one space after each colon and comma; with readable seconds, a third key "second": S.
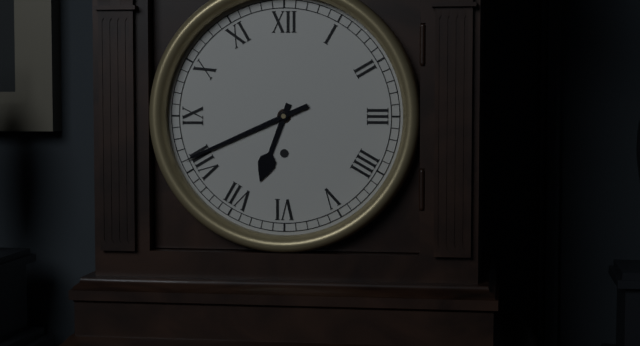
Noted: {"hour": 6, "minute": 41}
